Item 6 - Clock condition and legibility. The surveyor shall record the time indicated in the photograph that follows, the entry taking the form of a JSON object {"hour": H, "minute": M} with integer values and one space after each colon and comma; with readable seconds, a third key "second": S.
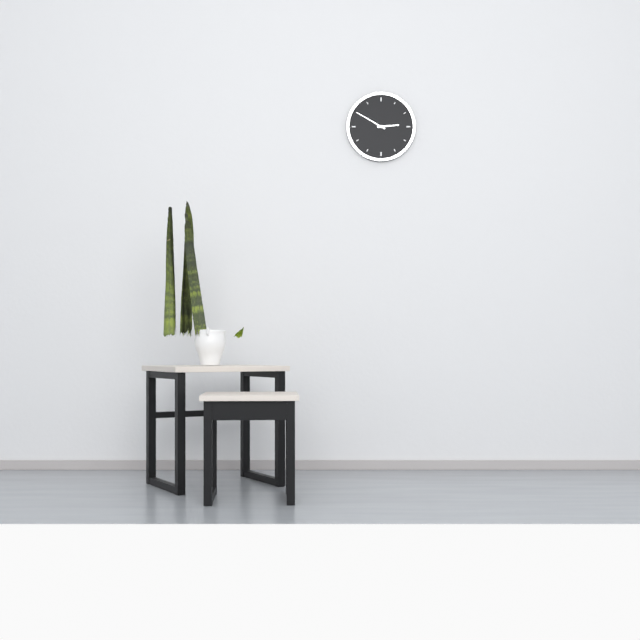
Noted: {"hour": 2, "minute": 50}
